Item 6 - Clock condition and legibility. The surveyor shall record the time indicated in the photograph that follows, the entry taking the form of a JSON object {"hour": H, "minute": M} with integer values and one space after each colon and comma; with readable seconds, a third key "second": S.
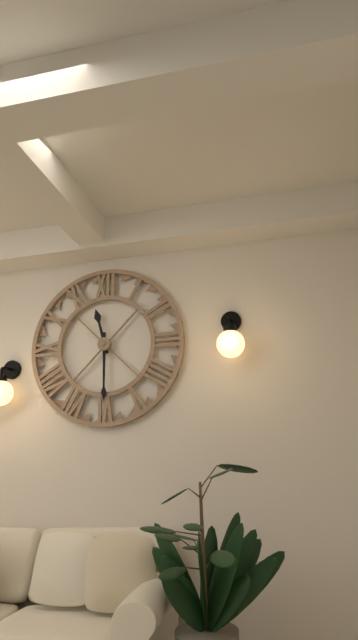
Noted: {"hour": 11, "minute": 30}
